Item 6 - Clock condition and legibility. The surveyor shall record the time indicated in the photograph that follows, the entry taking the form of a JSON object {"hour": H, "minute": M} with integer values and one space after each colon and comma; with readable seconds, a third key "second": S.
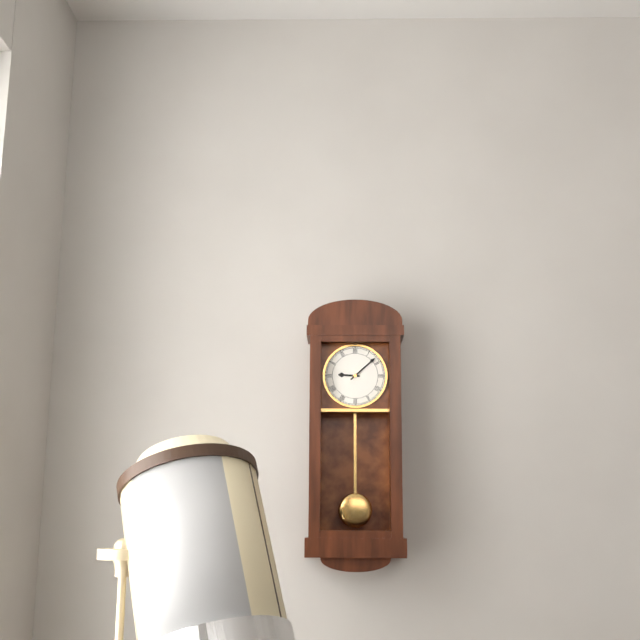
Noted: {"hour": 9, "minute": 8}
